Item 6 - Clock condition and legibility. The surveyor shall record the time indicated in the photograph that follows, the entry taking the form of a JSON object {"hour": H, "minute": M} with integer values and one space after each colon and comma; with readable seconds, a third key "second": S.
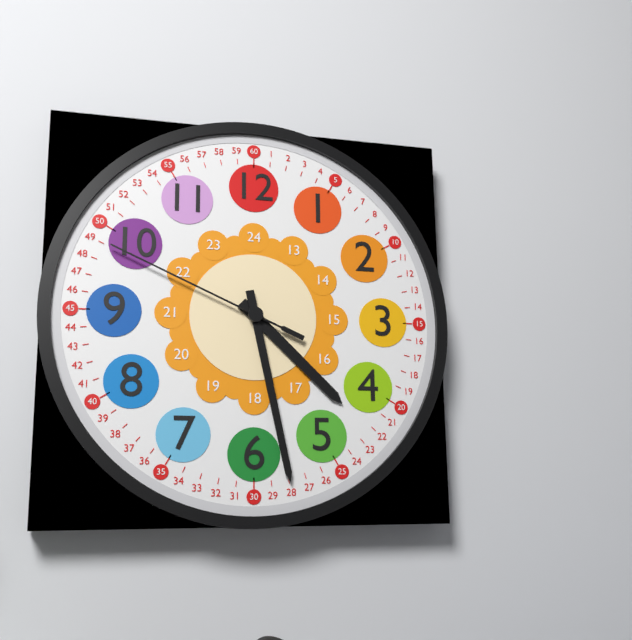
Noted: {"hour": 4, "minute": 28, "second": 49}
